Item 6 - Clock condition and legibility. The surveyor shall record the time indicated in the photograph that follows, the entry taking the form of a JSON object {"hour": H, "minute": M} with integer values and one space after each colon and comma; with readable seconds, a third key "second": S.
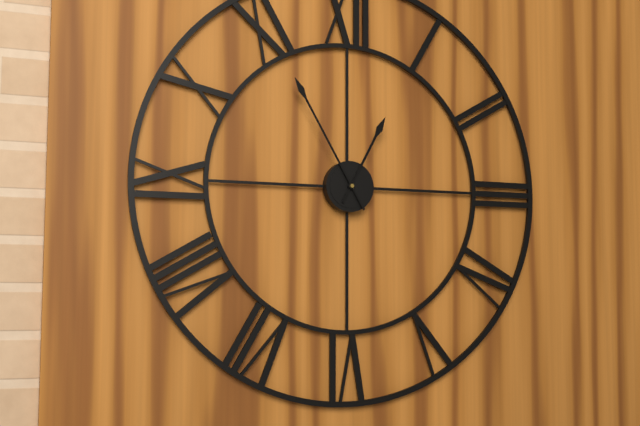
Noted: {"hour": 12, "minute": 55}
